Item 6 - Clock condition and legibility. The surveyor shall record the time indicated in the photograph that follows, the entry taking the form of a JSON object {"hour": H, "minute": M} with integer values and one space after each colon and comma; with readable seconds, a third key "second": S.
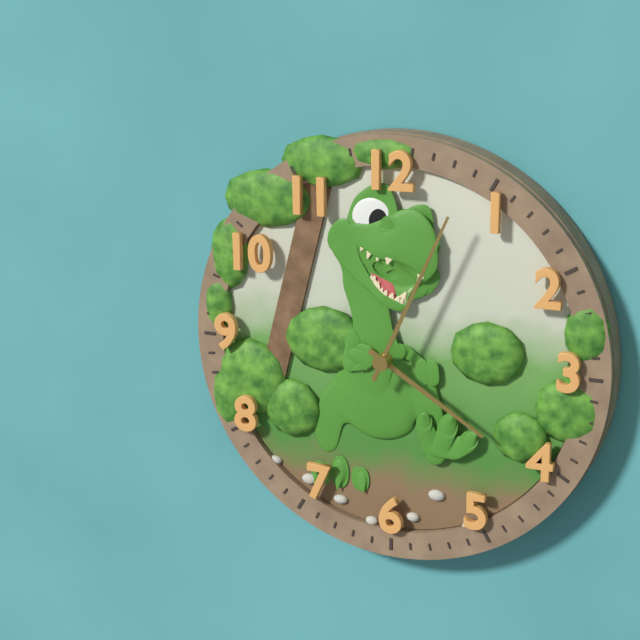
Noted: {"hour": 4, "minute": 4}
